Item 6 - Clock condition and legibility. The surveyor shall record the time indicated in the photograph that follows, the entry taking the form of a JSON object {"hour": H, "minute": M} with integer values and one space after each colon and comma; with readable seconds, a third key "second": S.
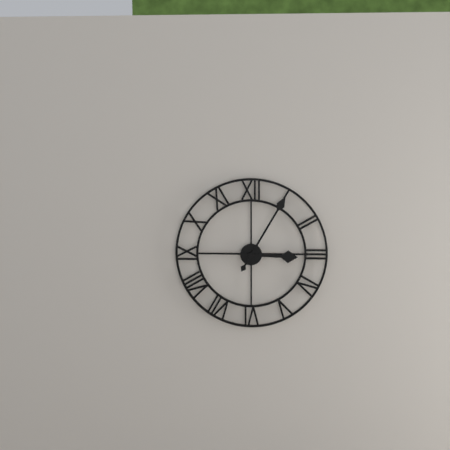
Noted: {"hour": 3, "minute": 5}
